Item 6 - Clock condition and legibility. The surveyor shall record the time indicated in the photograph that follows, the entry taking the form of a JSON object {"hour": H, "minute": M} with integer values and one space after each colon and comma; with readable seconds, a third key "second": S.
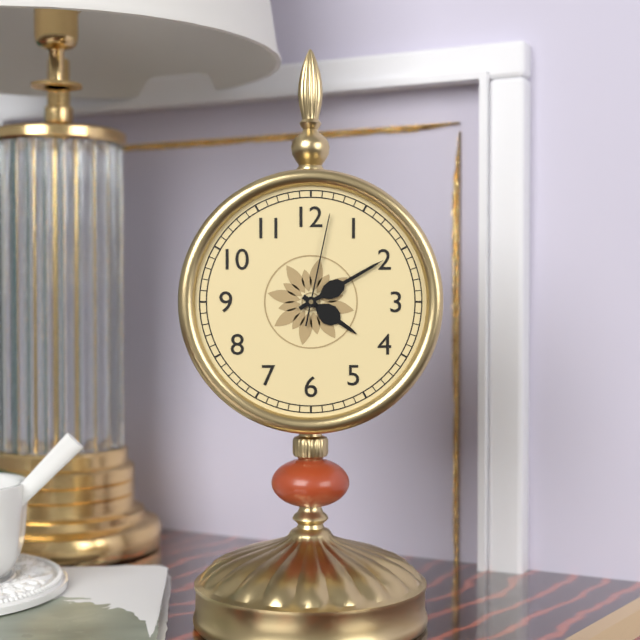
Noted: {"hour": 4, "minute": 10, "second": 2}
